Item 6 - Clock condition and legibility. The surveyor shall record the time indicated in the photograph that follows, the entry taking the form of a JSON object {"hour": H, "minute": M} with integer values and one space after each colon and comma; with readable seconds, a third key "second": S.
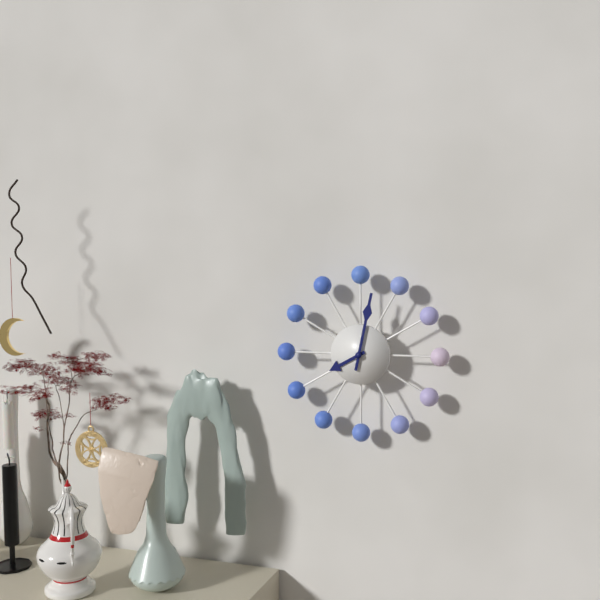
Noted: {"hour": 8, "minute": 2}
